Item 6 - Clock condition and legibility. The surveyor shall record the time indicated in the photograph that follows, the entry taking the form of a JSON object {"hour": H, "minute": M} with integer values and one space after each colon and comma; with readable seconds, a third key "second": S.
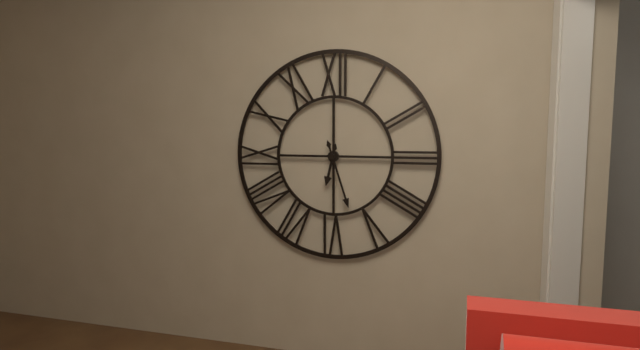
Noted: {"hour": 6, "minute": 27}
